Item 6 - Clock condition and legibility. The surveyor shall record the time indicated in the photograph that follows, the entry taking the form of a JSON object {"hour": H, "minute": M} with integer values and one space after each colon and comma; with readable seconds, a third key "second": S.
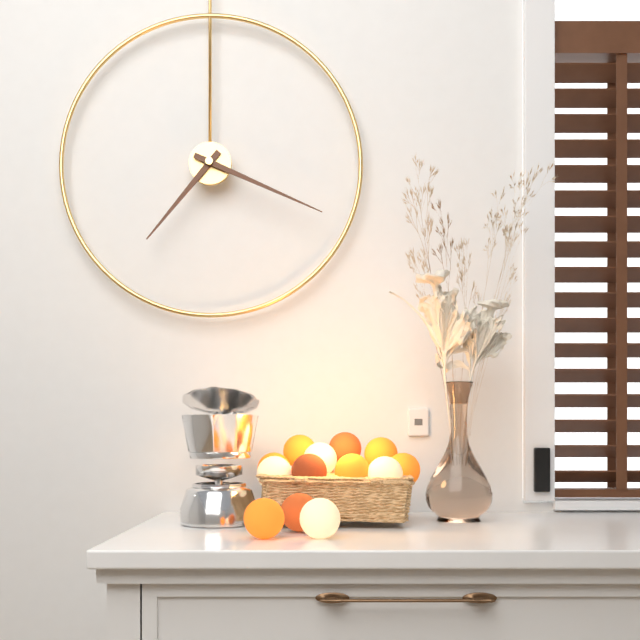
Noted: {"hour": 7, "minute": 19}
